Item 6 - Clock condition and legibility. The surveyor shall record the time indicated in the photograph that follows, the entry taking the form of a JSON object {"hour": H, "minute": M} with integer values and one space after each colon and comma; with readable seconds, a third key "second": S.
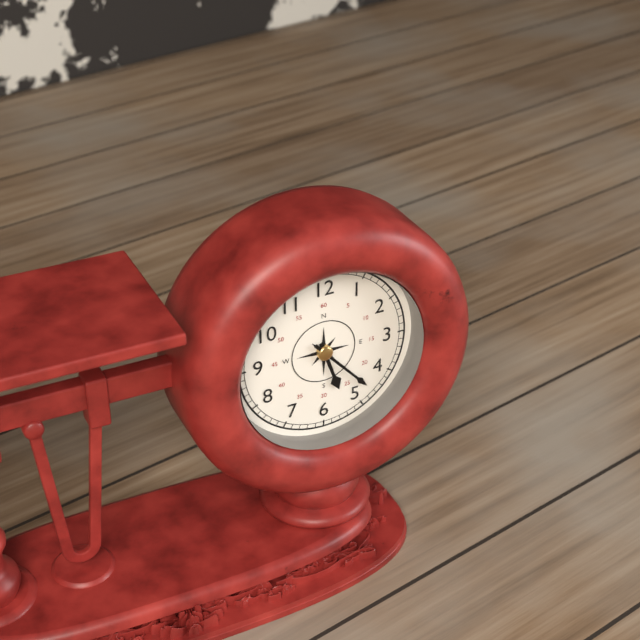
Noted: {"hour": 5, "minute": 23}
